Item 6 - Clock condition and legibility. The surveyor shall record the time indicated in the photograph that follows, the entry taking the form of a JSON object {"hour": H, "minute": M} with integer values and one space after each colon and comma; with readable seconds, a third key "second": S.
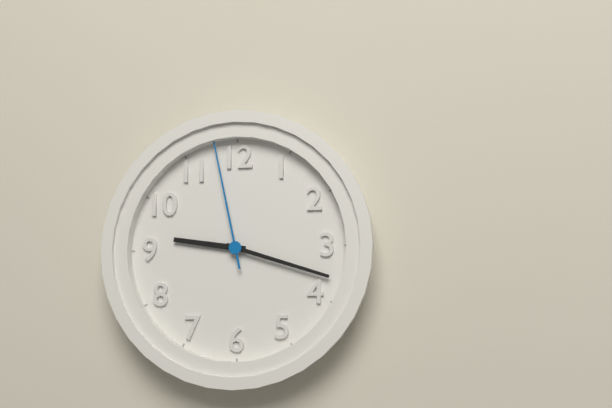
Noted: {"hour": 9, "minute": 18, "second": 58}
